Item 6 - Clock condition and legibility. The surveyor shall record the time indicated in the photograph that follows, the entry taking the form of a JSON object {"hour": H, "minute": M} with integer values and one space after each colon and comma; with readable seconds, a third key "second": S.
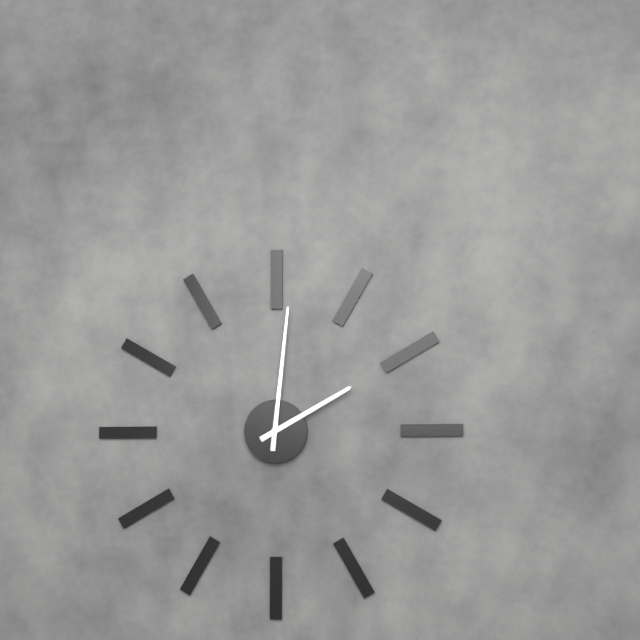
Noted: {"hour": 2, "minute": 1}
